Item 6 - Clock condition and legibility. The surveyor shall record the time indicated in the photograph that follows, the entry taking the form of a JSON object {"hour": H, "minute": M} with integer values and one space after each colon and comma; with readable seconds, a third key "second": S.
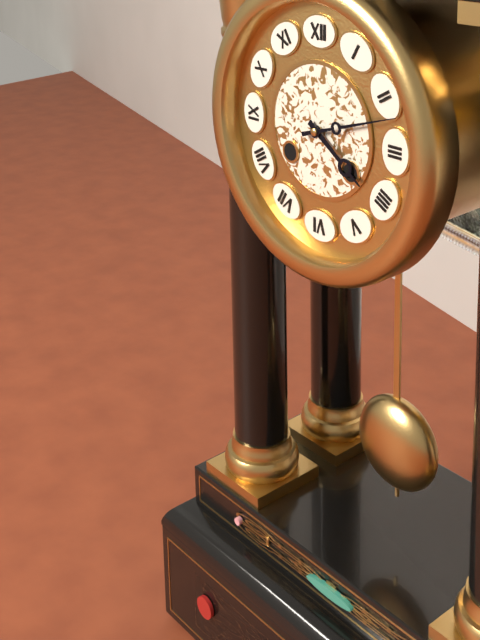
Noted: {"hour": 4, "minute": 12}
